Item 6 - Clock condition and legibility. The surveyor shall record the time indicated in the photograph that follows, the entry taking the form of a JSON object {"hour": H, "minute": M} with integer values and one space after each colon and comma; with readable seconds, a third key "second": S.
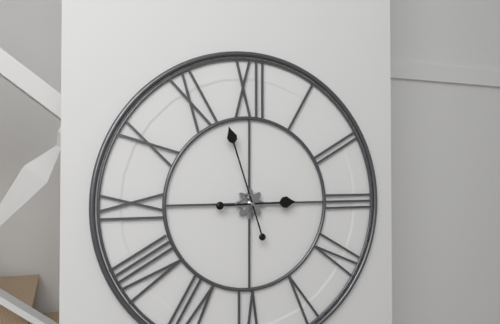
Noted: {"hour": 2, "minute": 57}
